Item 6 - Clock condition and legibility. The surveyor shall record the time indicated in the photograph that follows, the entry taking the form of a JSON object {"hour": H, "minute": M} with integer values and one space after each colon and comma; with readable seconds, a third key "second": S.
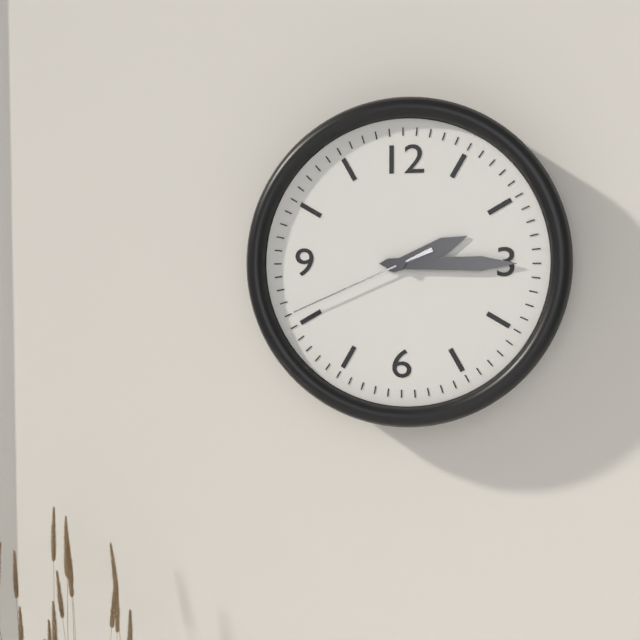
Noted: {"hour": 2, "minute": 15, "second": 41}
